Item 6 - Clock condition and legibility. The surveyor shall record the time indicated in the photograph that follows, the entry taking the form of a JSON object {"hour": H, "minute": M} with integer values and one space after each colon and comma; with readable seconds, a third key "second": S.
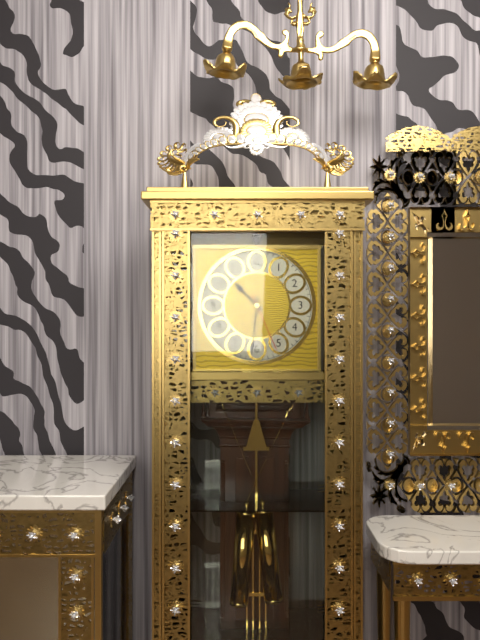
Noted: {"hour": 10, "minute": 31, "second": 26}
